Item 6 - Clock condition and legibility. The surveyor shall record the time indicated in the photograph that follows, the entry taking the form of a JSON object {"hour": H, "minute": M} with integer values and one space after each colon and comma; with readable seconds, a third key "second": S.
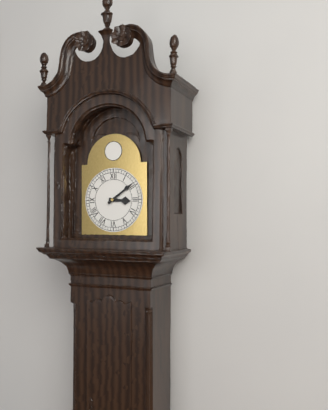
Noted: {"hour": 3, "minute": 9}
